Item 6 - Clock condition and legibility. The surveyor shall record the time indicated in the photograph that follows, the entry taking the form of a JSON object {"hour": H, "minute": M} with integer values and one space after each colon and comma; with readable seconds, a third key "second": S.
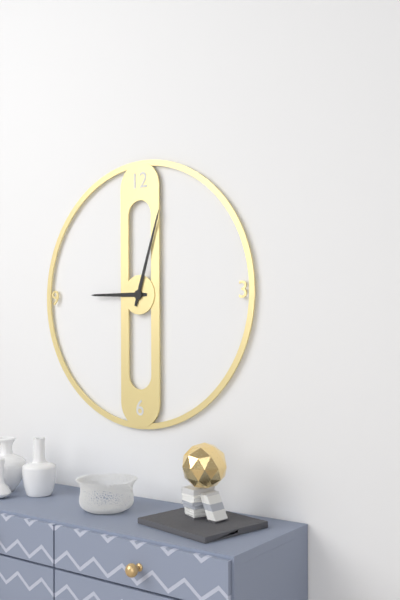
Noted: {"hour": 9, "minute": 3}
